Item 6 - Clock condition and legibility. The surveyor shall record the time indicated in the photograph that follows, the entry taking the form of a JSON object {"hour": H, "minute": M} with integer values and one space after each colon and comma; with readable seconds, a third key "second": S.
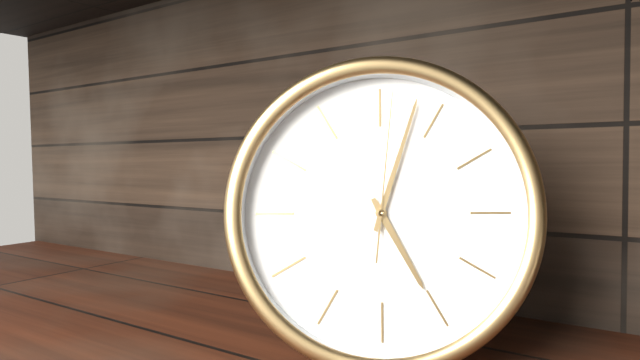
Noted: {"hour": 5, "minute": 3, "second": 1}
